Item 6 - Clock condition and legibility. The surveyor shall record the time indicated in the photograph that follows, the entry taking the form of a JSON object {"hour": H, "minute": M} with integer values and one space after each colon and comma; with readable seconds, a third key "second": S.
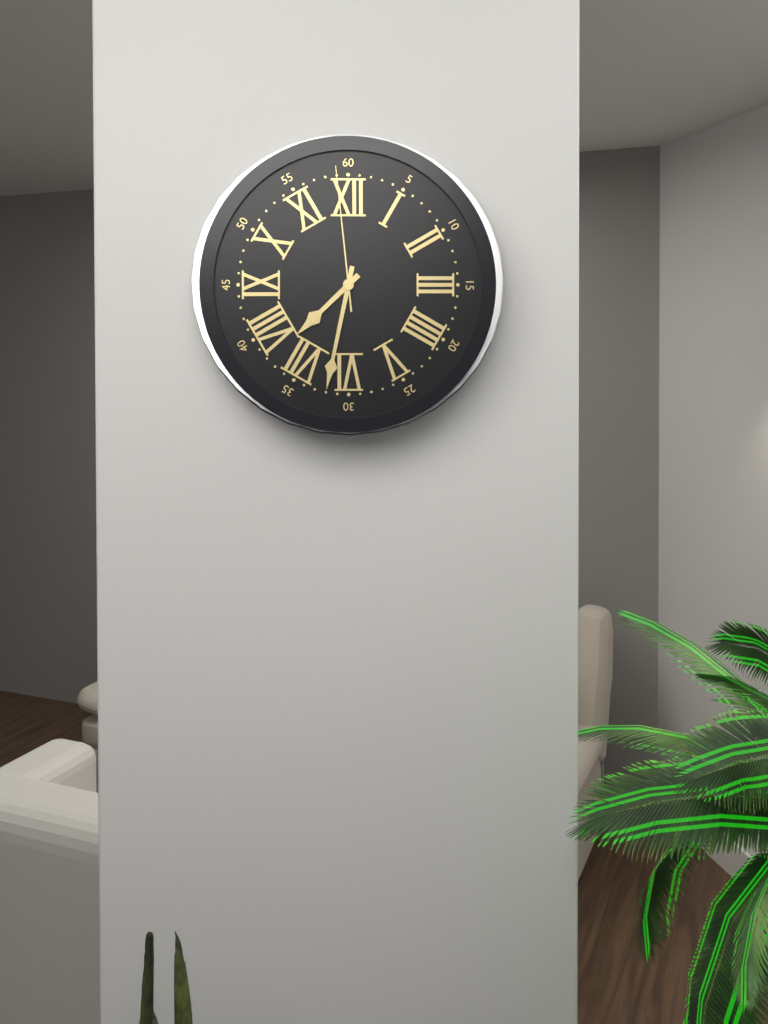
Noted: {"hour": 7, "minute": 32, "second": 59}
